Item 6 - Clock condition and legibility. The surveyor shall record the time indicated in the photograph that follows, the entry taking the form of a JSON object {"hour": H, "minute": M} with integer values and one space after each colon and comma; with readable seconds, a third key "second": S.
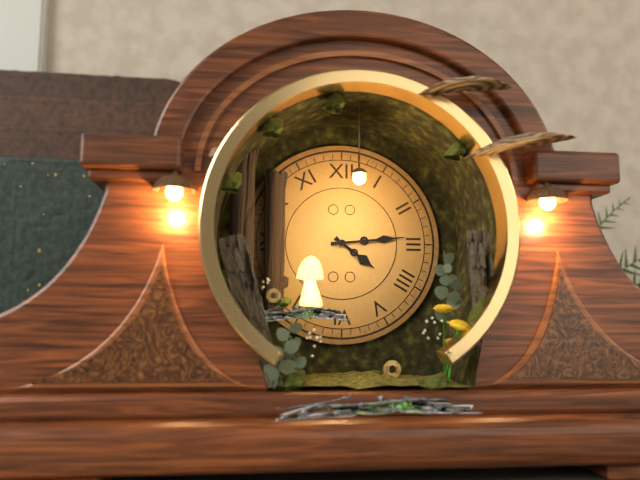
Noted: {"hour": 4, "minute": 14}
